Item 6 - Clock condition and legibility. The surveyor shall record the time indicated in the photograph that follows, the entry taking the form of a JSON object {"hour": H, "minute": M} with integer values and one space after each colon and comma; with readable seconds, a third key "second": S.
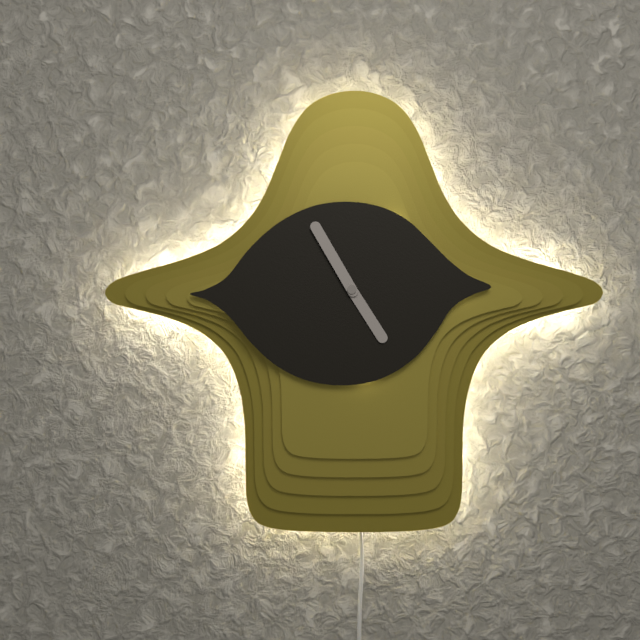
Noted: {"hour": 4, "minute": 55}
